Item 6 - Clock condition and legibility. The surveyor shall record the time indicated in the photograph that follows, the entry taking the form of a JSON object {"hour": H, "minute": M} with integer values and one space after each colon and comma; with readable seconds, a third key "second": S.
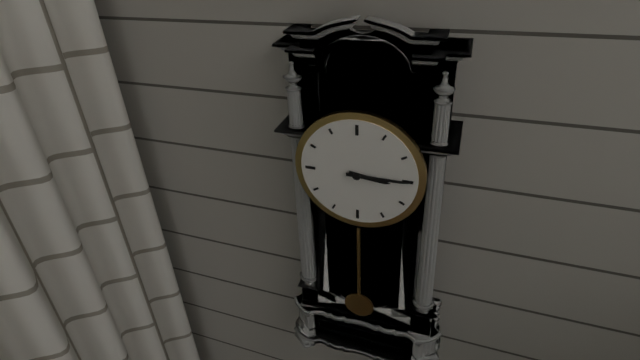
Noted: {"hour": 3, "minute": 15}
